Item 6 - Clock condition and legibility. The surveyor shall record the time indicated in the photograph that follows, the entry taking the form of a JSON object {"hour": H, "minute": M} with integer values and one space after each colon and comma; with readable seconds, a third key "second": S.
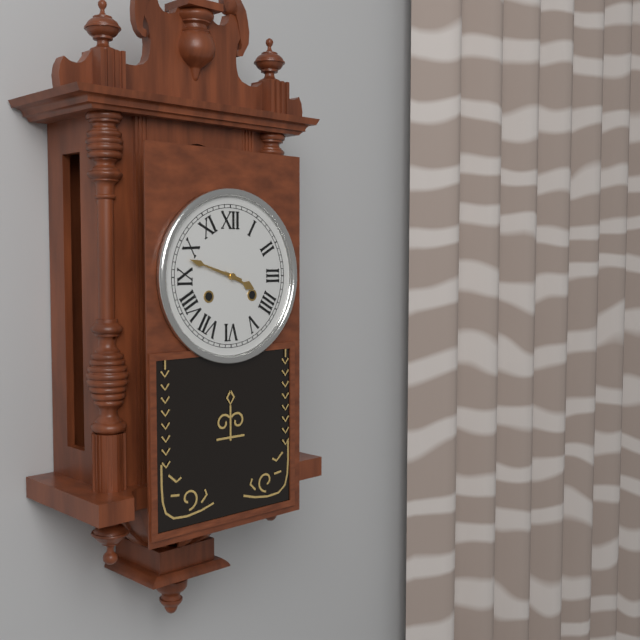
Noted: {"hour": 3, "minute": 48}
